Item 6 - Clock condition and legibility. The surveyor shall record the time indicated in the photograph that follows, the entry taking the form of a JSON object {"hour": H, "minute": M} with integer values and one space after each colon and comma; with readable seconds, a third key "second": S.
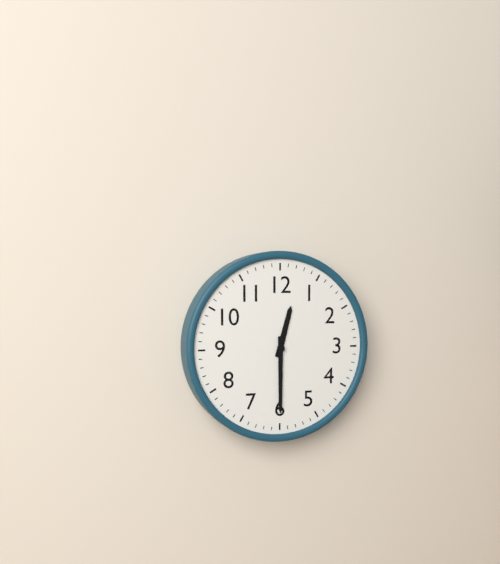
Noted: {"hour": 12, "minute": 30}
